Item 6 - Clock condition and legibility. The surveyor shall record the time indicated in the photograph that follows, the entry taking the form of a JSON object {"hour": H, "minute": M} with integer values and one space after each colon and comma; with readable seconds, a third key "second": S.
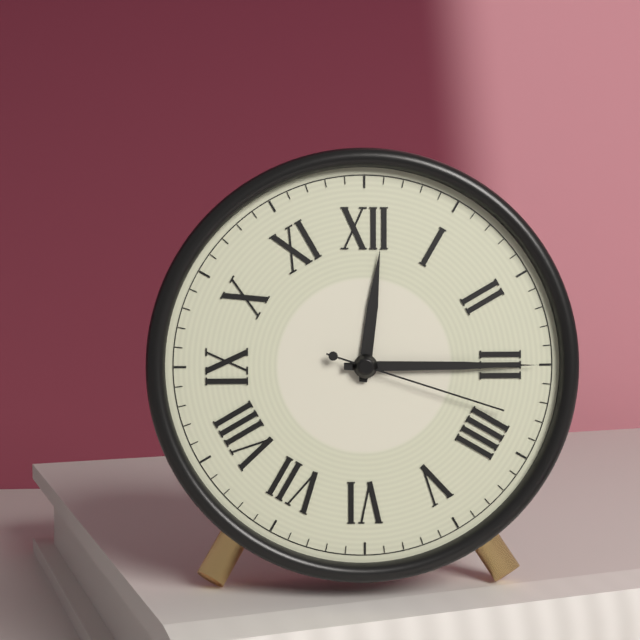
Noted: {"hour": 12, "minute": 15, "second": 18}
